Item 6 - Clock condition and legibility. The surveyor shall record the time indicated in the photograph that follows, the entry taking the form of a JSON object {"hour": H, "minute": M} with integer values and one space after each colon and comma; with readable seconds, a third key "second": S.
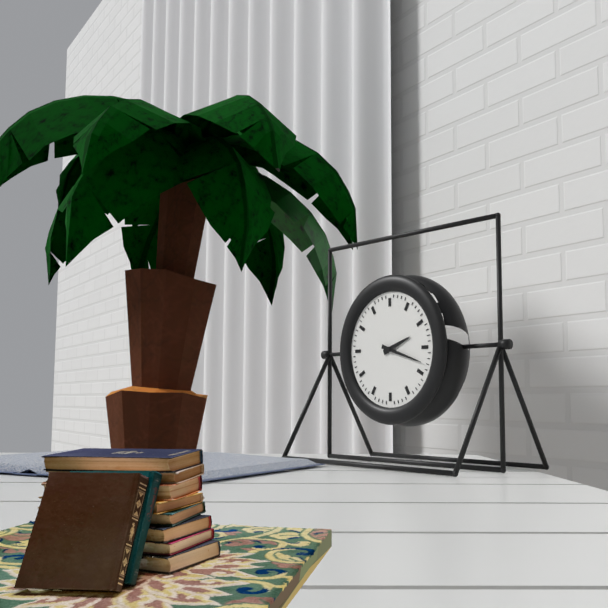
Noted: {"hour": 2, "minute": 18}
